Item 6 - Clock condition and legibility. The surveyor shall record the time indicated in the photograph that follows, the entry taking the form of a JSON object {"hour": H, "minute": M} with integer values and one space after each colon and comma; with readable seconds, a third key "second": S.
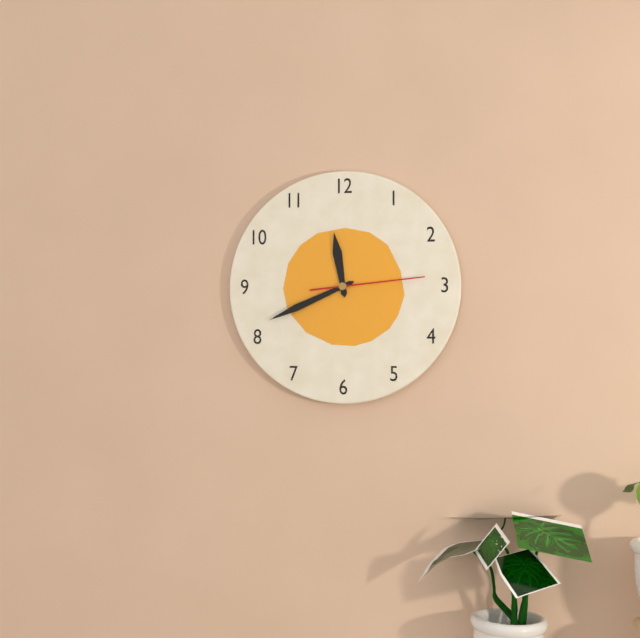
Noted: {"hour": 11, "minute": 41, "second": 14}
